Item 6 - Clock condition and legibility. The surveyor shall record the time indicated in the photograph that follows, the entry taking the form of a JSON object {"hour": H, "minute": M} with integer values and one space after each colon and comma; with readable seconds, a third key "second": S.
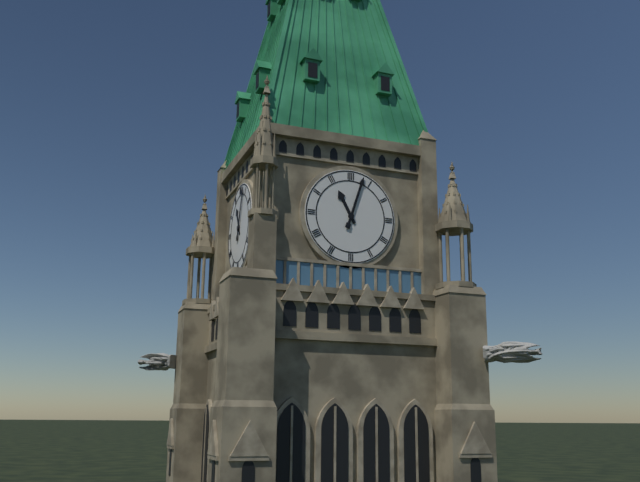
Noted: {"hour": 11, "minute": 3}
